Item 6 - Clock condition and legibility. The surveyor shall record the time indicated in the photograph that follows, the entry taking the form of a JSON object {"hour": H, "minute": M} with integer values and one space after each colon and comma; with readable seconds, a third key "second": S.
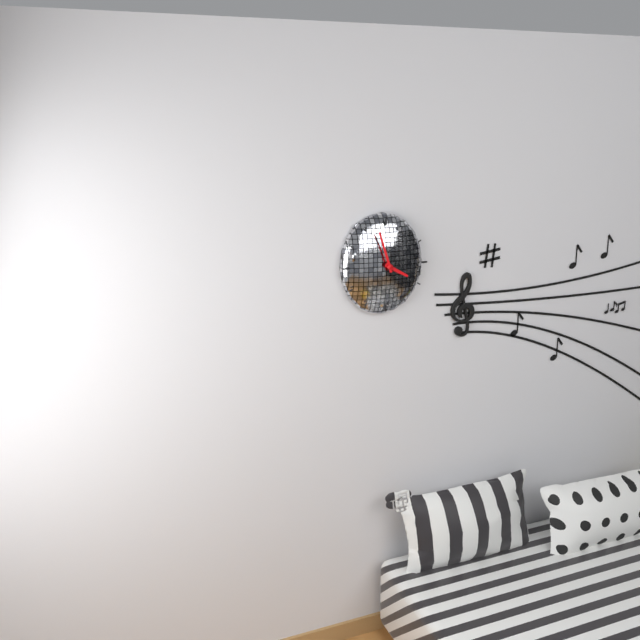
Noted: {"hour": 3, "minute": 57}
